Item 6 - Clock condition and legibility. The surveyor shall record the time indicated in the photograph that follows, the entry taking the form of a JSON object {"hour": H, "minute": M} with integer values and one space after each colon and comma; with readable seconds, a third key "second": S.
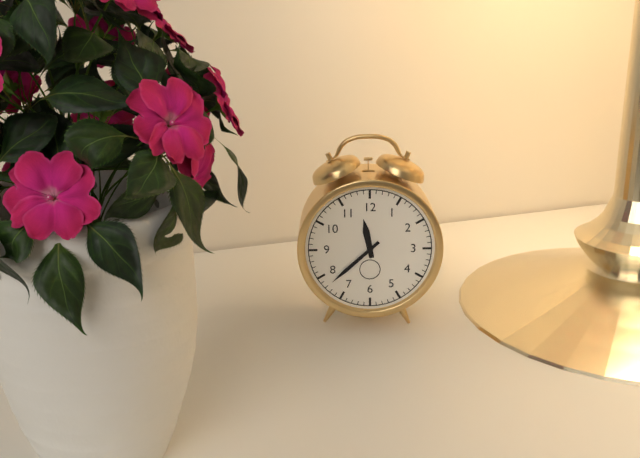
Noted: {"hour": 11, "minute": 38}
